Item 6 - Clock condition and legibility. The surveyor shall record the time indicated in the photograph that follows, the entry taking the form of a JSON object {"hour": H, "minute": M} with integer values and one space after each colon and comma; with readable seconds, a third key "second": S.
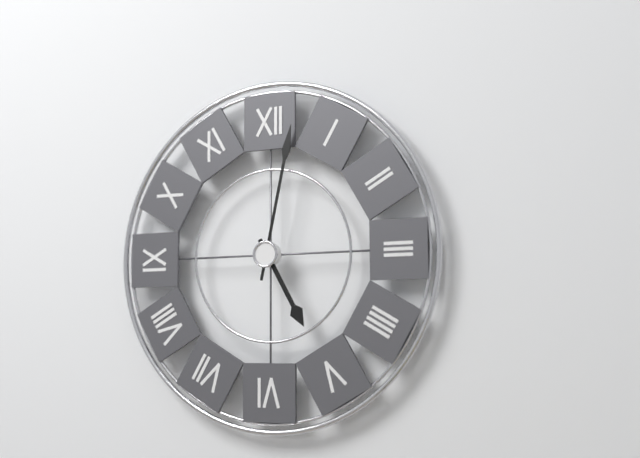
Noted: {"hour": 5, "minute": 2}
